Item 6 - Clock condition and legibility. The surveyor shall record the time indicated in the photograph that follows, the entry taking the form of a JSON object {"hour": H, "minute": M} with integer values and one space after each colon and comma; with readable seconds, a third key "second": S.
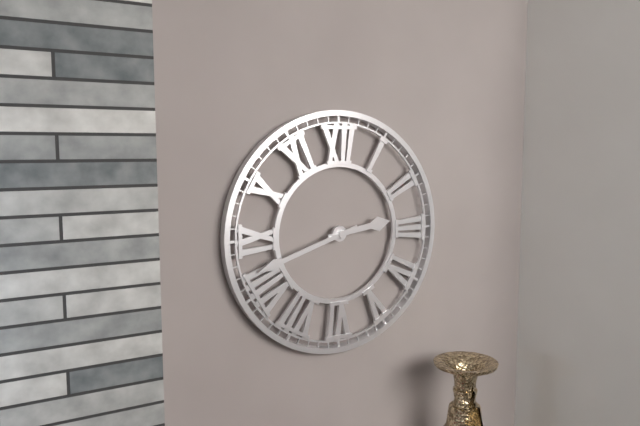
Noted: {"hour": 2, "minute": 42}
